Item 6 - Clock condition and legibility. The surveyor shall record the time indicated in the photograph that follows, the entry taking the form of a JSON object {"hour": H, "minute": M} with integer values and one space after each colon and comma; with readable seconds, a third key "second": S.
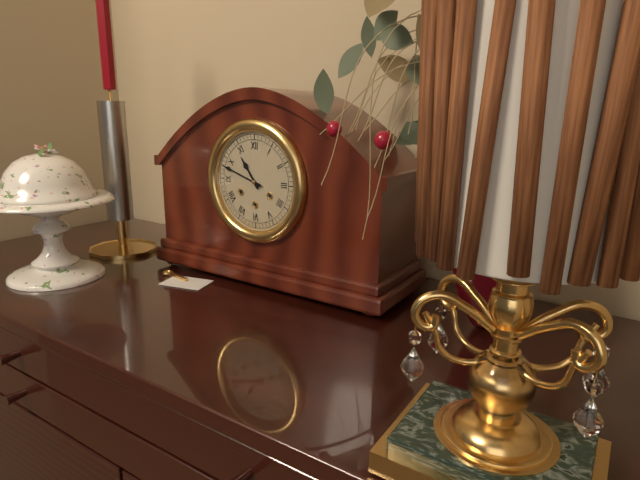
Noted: {"hour": 10, "minute": 48}
